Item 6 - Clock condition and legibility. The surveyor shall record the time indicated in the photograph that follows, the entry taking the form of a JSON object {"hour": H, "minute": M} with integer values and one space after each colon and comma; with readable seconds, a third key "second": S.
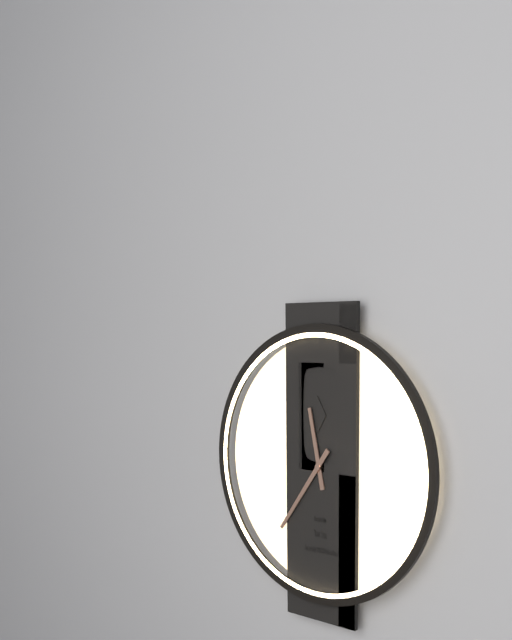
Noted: {"hour": 11, "minute": 36}
